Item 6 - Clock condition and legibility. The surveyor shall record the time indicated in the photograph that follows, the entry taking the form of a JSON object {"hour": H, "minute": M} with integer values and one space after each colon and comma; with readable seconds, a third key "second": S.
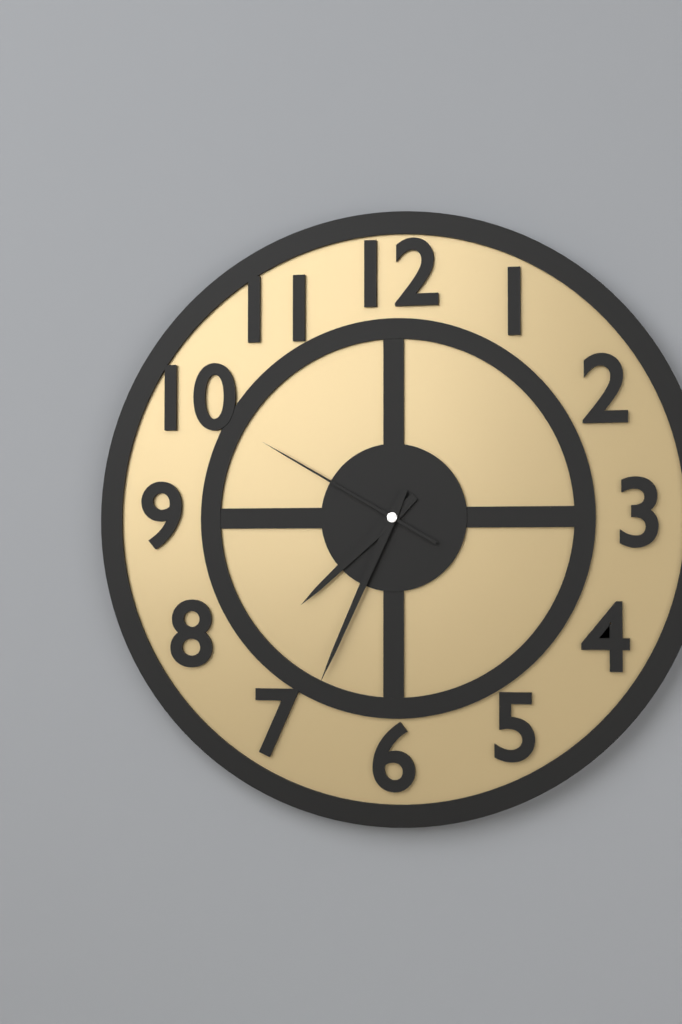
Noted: {"hour": 7, "minute": 34, "second": 50}
